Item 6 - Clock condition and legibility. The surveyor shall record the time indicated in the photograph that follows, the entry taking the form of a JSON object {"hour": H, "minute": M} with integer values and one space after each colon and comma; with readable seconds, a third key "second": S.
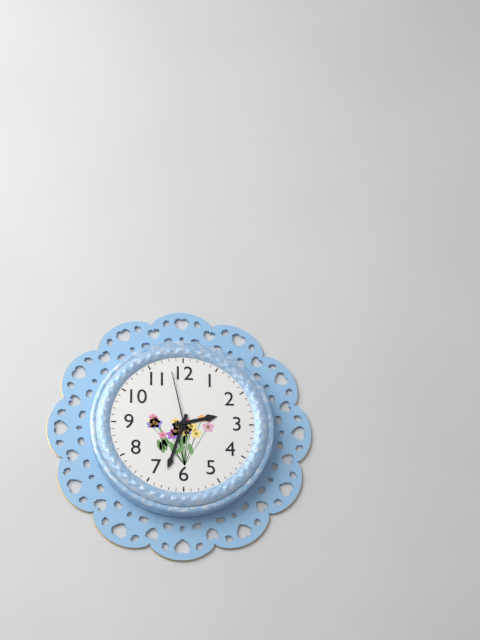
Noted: {"hour": 2, "minute": 33, "second": 58}
